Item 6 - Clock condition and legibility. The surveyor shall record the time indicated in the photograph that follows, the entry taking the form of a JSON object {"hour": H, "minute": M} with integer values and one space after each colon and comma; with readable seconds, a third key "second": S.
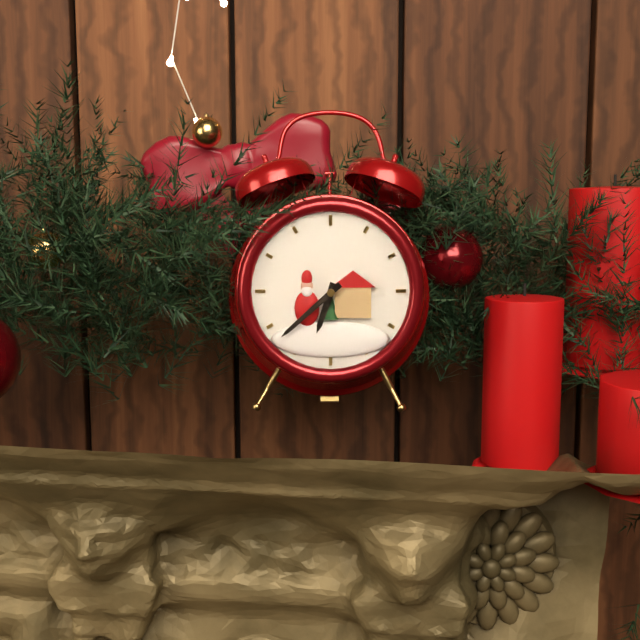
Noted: {"hour": 6, "minute": 38}
